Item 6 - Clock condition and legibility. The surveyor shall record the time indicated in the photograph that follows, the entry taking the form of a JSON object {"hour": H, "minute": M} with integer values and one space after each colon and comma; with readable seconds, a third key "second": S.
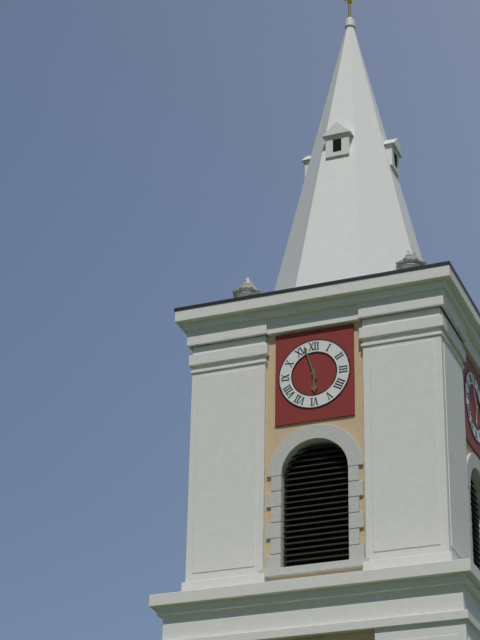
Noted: {"hour": 5, "minute": 57}
